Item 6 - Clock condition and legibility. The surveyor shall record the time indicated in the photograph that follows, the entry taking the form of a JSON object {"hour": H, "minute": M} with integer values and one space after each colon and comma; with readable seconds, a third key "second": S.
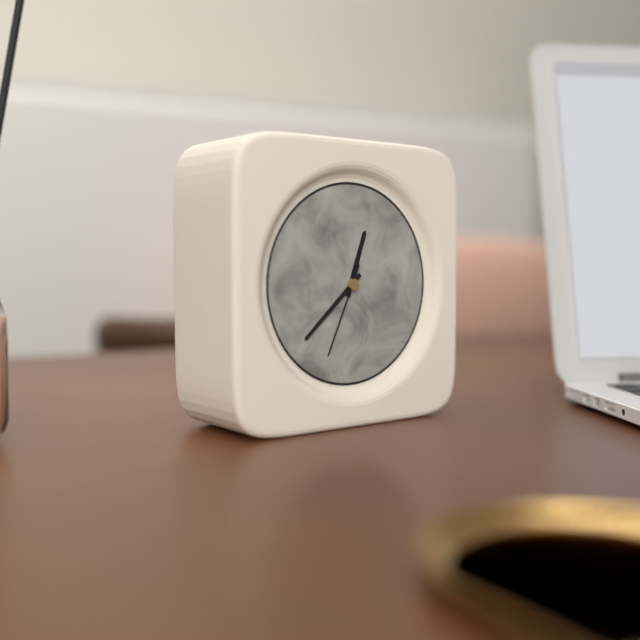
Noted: {"hour": 12, "minute": 38, "second": 34}
